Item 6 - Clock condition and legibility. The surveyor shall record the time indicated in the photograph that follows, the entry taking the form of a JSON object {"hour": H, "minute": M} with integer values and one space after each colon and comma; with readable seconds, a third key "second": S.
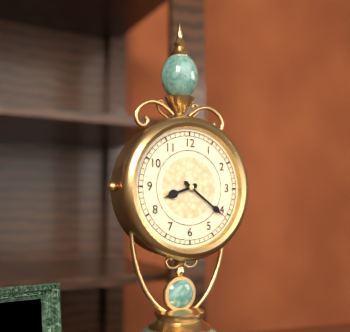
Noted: {"hour": 8, "minute": 21}
